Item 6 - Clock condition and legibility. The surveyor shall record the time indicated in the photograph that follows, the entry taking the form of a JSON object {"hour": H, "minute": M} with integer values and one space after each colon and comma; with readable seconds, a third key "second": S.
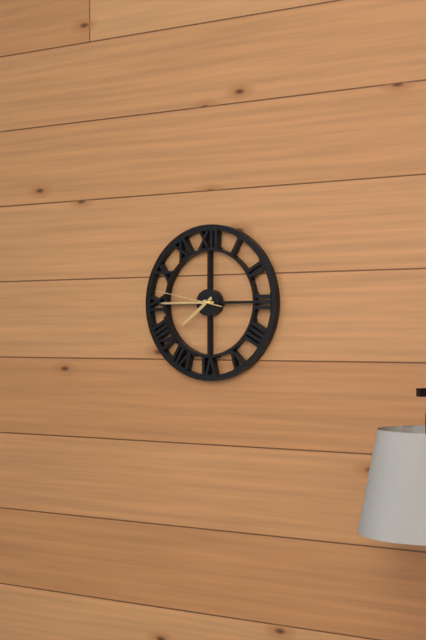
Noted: {"hour": 7, "minute": 45, "second": 47}
